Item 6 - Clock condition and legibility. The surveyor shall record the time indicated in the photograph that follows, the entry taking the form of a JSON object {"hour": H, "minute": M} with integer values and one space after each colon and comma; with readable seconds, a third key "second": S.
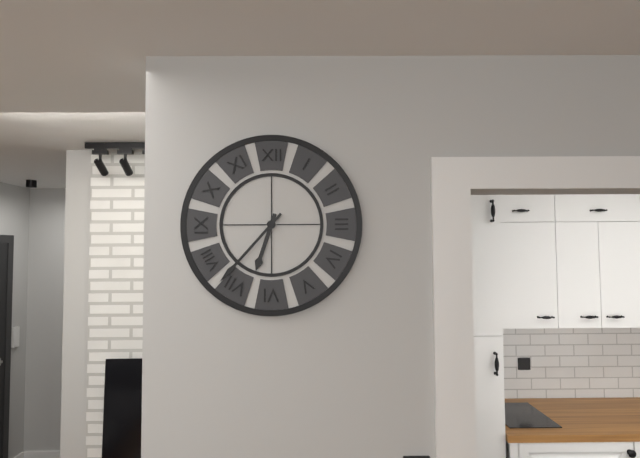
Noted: {"hour": 6, "minute": 37}
